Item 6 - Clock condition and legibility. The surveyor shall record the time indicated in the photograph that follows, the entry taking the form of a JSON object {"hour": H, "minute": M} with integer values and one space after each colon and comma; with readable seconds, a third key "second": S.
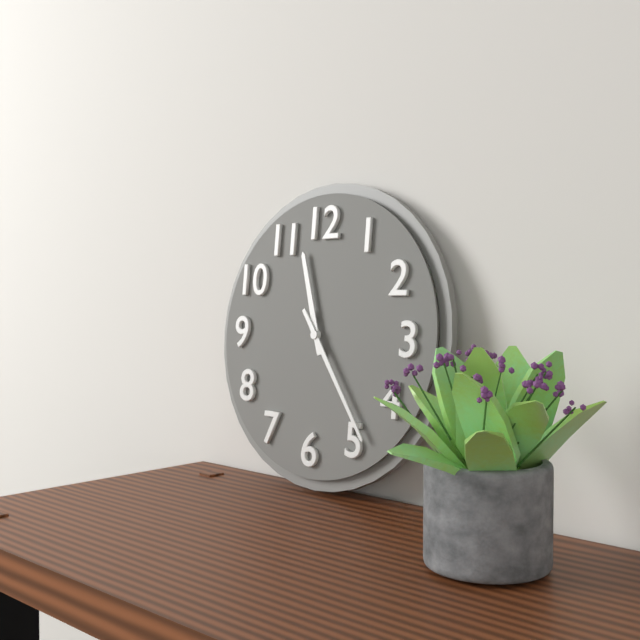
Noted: {"hour": 11, "minute": 24}
